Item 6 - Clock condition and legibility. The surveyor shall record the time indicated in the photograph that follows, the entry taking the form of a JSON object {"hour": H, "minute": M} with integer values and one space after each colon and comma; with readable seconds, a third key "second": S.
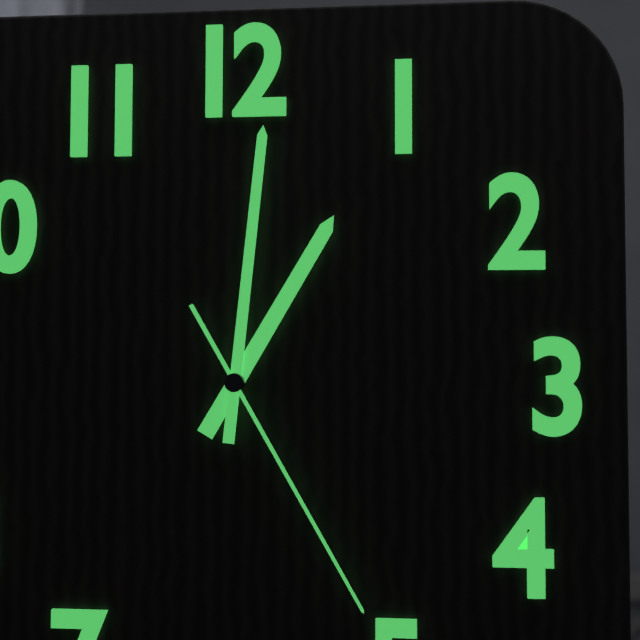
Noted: {"hour": 1, "minute": 1, "second": 25}
